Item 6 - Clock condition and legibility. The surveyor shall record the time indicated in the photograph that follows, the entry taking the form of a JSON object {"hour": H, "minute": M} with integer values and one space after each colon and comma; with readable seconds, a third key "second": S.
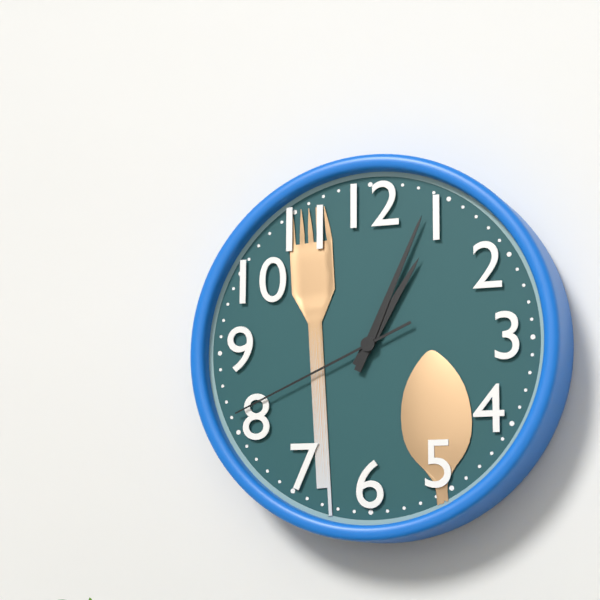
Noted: {"hour": 1, "minute": 4, "second": 41}
